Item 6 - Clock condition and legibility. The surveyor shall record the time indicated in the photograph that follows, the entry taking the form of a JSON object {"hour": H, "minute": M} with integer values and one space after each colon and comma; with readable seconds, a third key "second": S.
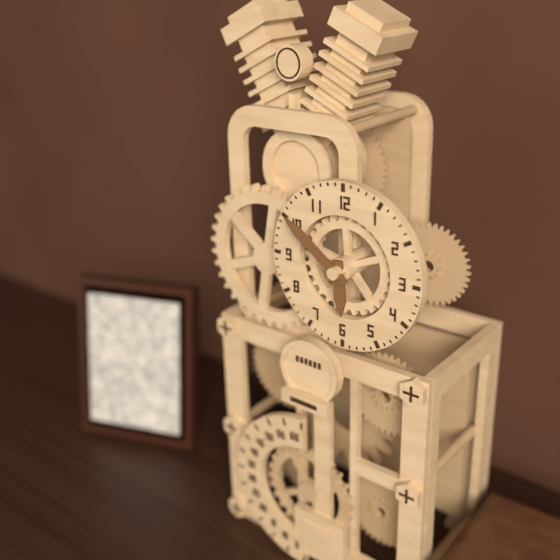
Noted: {"hour": 5, "minute": 51}
